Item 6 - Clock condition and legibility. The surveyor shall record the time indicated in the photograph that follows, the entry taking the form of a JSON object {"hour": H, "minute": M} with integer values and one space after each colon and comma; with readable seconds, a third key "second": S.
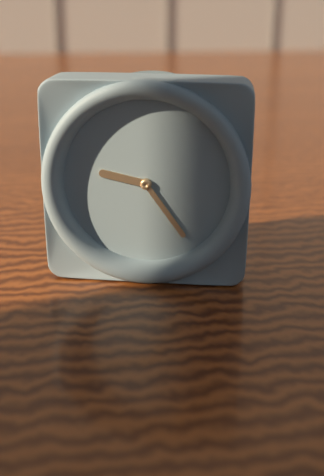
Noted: {"hour": 9, "minute": 24}
